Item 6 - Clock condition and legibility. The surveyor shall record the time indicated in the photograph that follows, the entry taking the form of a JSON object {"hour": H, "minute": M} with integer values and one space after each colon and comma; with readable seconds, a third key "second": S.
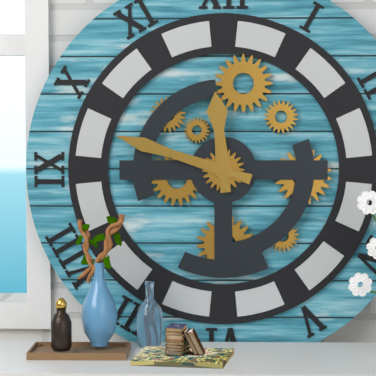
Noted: {"hour": 11, "minute": 48}
